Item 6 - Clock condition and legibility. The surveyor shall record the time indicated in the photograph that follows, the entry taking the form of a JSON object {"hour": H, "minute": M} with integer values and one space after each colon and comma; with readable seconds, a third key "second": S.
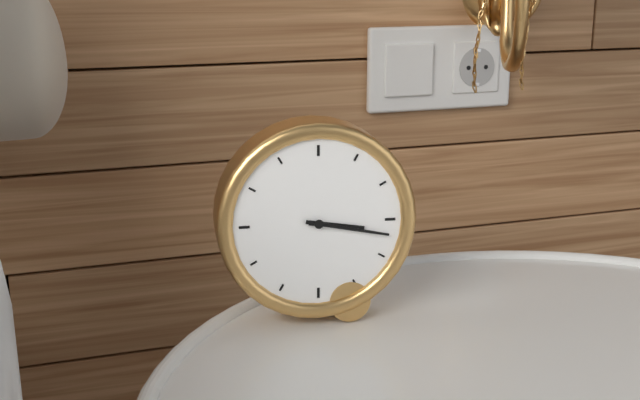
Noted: {"hour": 3, "minute": 17}
